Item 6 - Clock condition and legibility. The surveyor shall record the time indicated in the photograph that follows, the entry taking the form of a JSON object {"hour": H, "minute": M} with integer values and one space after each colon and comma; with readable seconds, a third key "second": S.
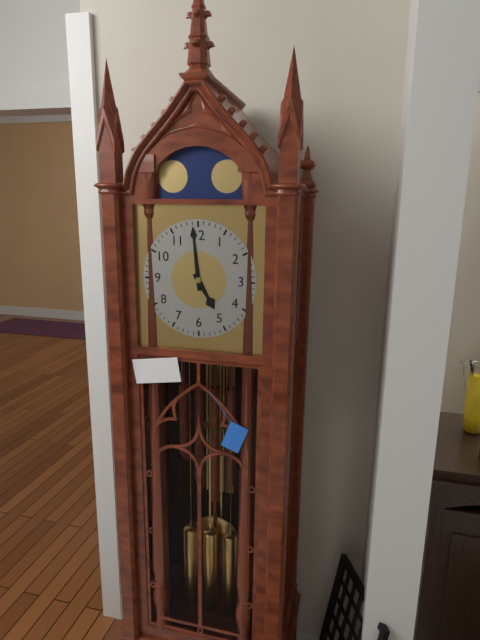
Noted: {"hour": 4, "minute": 59}
